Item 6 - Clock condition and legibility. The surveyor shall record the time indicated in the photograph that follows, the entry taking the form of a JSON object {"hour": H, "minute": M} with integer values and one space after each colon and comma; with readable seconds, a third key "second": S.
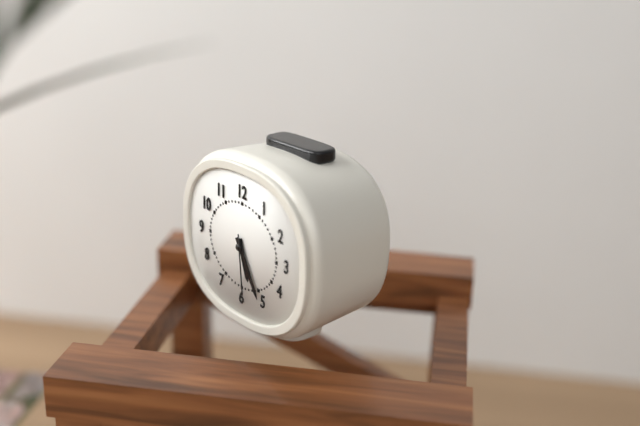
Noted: {"hour": 5, "minute": 25, "second": 29}
